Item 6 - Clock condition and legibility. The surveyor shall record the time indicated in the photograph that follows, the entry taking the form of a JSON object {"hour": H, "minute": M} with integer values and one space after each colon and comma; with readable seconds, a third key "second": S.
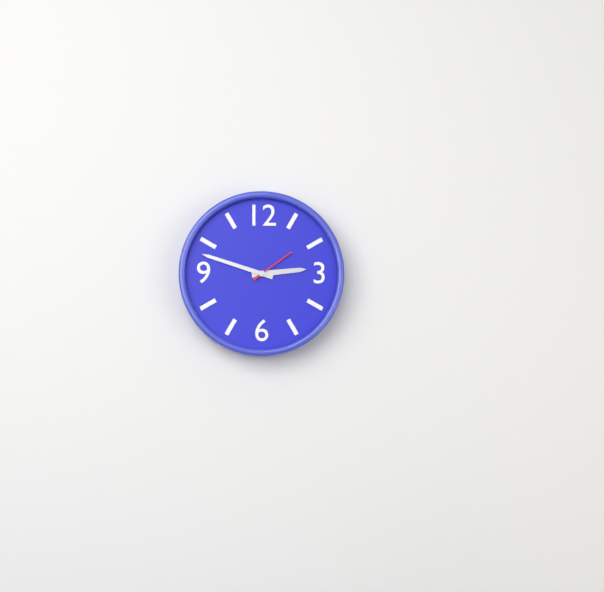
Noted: {"hour": 2, "minute": 48}
